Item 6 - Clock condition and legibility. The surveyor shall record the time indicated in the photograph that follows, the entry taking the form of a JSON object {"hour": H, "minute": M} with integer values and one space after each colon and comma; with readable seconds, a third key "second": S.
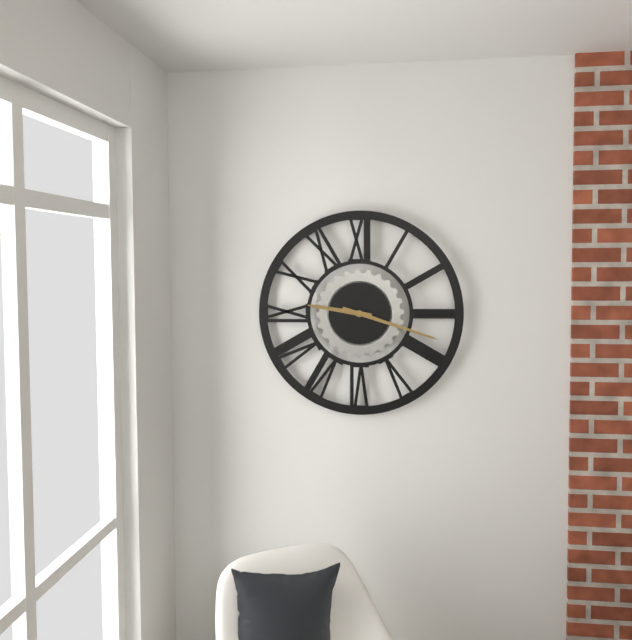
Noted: {"hour": 9, "minute": 18}
